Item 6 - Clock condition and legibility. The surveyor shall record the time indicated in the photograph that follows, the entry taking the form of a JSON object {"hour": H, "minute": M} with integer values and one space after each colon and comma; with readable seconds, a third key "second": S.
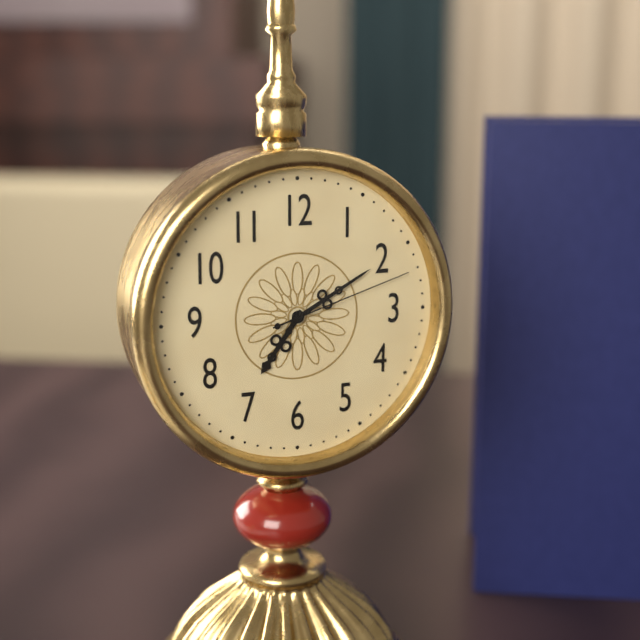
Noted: {"hour": 7, "minute": 10, "second": 12}
